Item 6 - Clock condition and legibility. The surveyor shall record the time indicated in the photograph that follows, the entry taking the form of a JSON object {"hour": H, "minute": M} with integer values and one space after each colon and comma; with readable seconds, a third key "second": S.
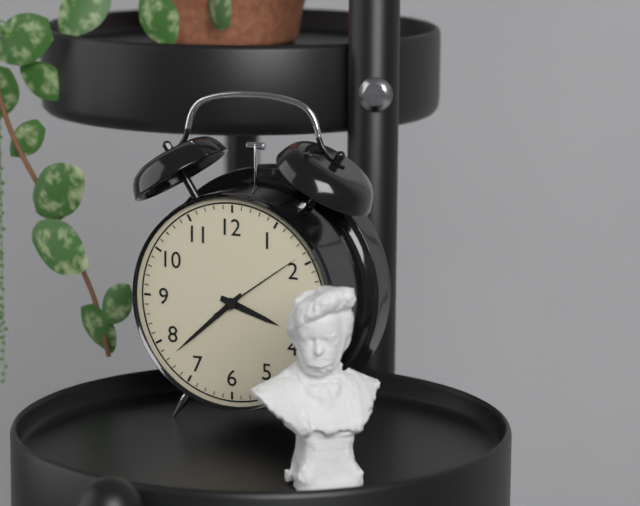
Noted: {"hour": 3, "minute": 38, "second": 9}
